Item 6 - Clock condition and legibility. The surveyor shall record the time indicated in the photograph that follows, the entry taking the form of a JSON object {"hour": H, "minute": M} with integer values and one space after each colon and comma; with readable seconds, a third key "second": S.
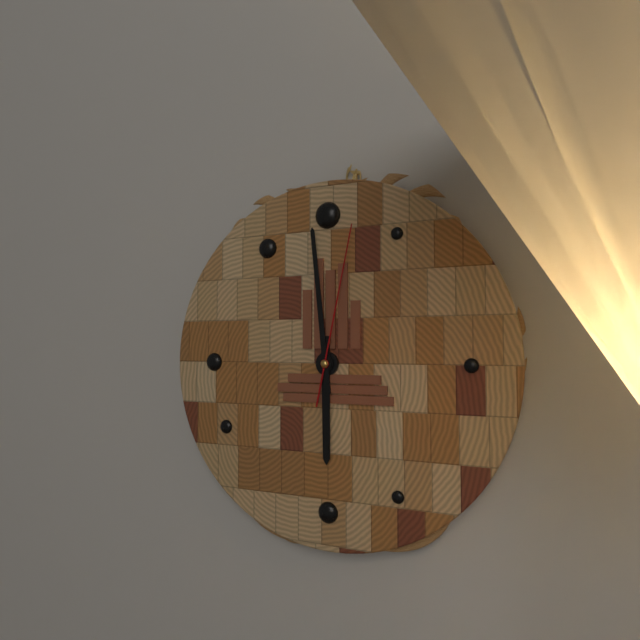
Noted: {"hour": 5, "minute": 59, "second": 2}
